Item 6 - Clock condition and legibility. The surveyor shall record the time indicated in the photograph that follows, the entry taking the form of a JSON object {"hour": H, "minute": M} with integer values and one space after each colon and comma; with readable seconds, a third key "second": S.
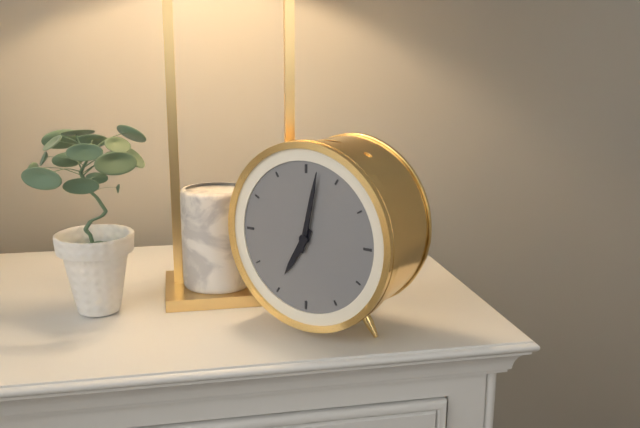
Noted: {"hour": 7, "minute": 2}
